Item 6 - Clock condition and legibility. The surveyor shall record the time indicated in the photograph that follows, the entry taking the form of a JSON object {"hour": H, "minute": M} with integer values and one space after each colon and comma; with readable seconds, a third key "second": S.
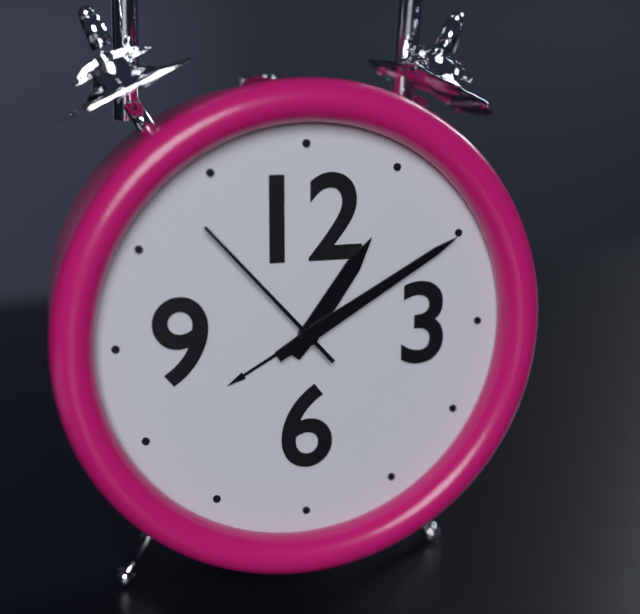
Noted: {"hour": 1, "minute": 10, "second": 53}
